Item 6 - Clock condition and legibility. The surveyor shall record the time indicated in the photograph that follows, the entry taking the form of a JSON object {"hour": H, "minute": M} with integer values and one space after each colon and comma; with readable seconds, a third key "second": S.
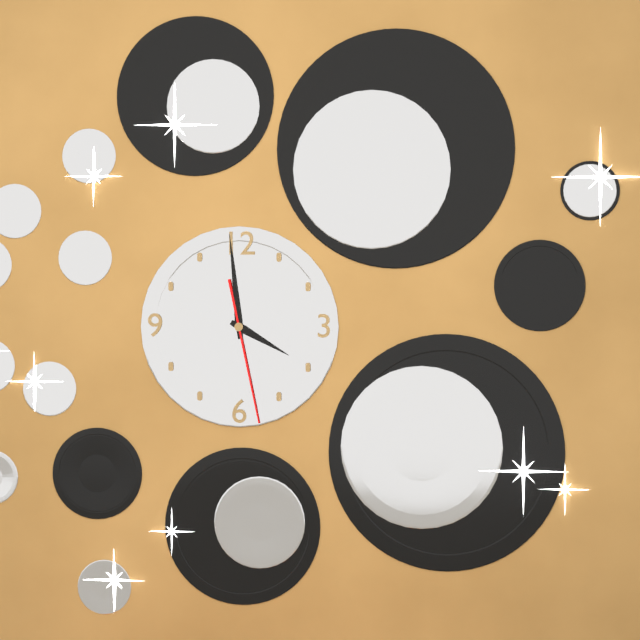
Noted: {"hour": 3, "minute": 59, "second": 28}
